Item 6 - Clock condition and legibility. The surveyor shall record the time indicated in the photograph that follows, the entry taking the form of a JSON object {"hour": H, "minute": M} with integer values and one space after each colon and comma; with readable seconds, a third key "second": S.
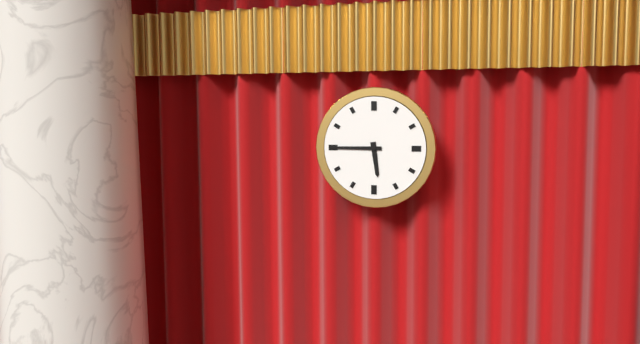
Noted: {"hour": 5, "minute": 45}
